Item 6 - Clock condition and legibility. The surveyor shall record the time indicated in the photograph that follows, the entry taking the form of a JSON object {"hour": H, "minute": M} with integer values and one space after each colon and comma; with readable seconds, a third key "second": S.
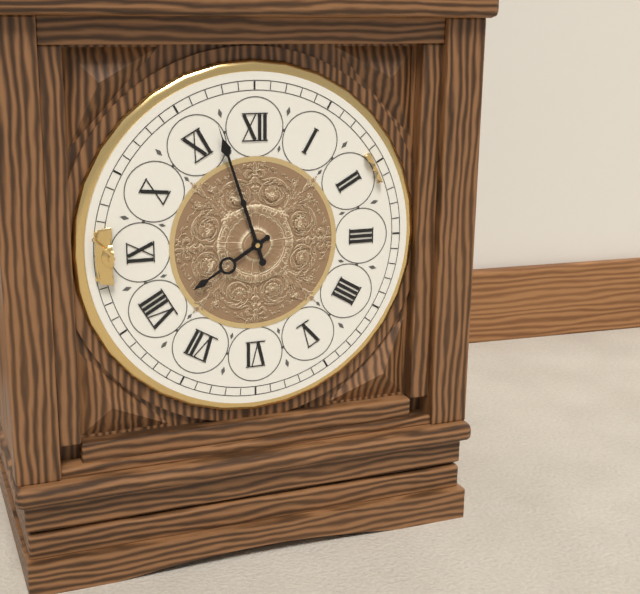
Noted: {"hour": 7, "minute": 57}
